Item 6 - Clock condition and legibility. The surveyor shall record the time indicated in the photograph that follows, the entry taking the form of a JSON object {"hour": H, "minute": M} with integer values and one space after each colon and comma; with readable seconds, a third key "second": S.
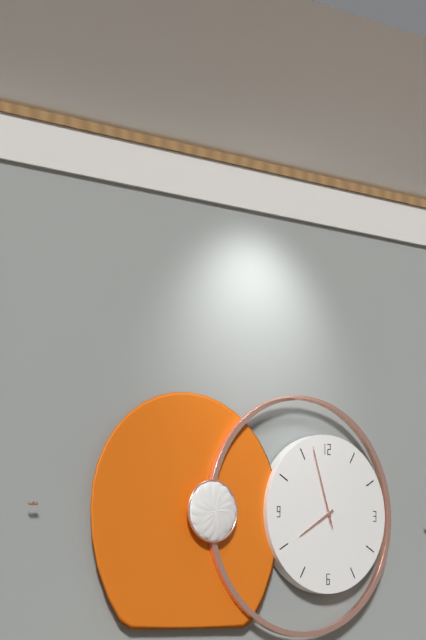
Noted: {"hour": 7, "minute": 57, "second": 57}
